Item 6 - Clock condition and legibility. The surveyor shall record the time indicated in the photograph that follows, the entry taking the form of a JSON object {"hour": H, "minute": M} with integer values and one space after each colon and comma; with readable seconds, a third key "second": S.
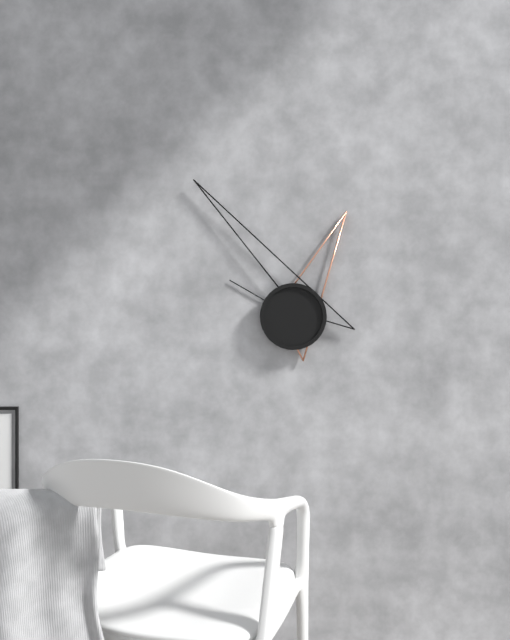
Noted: {"hour": 12, "minute": 54, "second": 50}
